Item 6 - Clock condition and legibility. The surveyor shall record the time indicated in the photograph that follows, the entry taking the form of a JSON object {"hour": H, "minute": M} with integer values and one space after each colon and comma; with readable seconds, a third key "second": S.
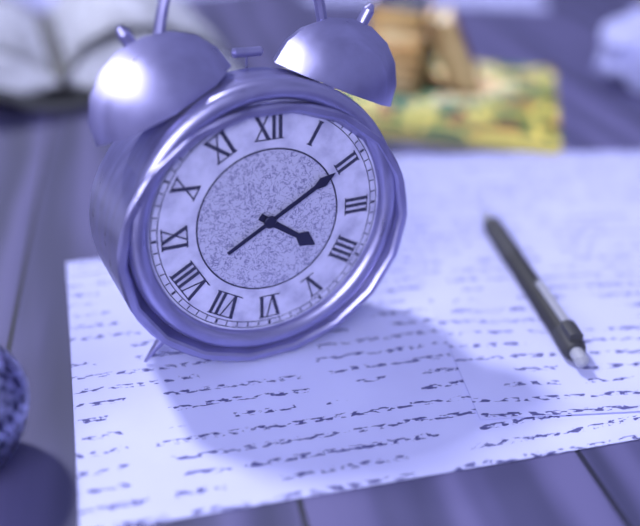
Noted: {"hour": 4, "minute": 10}
